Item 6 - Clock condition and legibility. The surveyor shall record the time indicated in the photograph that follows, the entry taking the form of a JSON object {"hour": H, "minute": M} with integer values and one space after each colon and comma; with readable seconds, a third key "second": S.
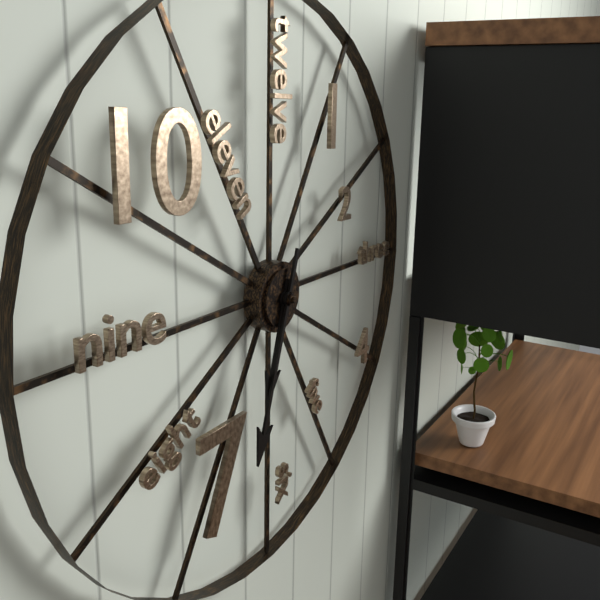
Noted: {"hour": 6, "minute": 33}
